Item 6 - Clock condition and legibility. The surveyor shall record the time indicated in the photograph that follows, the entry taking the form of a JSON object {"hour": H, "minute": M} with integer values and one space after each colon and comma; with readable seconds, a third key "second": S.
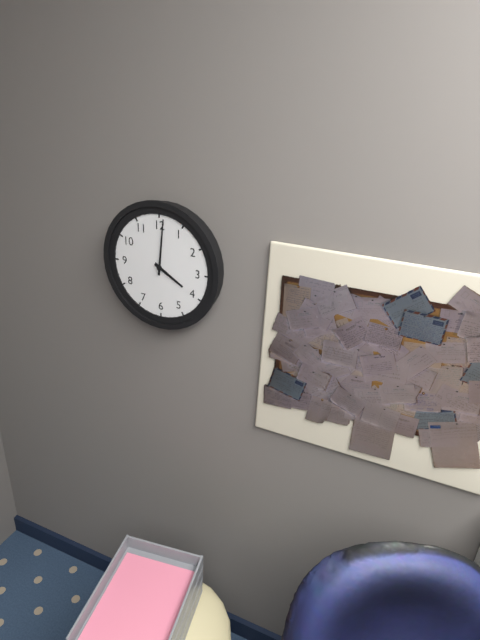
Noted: {"hour": 4, "minute": 1}
